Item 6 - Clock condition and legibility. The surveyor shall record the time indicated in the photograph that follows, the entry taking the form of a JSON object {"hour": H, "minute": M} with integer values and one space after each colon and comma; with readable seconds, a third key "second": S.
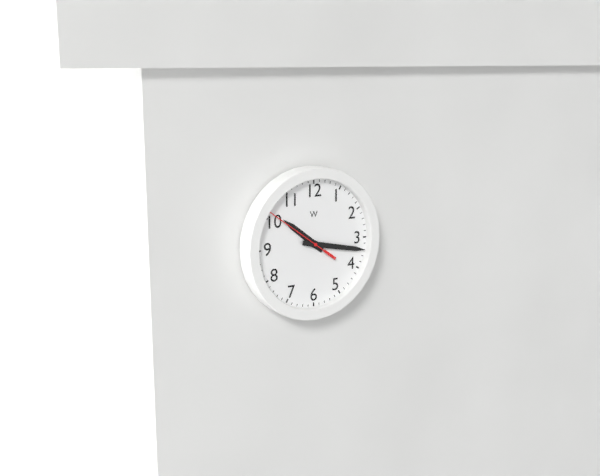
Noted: {"hour": 10, "minute": 17, "second": 51}
